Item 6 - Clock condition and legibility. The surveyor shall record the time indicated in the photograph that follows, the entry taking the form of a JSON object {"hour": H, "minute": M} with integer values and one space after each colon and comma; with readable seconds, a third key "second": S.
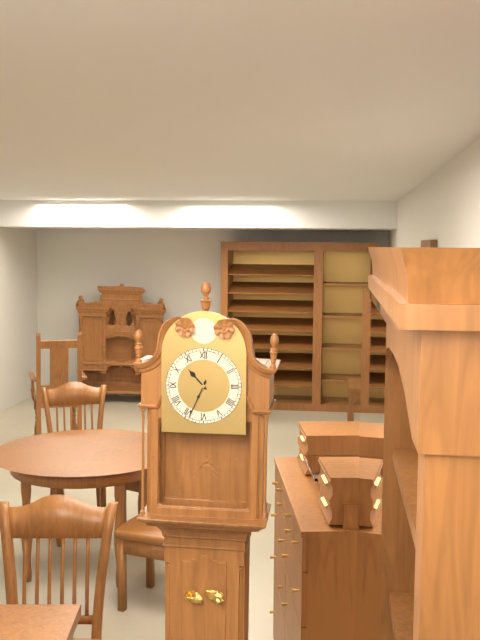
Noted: {"hour": 10, "minute": 34}
